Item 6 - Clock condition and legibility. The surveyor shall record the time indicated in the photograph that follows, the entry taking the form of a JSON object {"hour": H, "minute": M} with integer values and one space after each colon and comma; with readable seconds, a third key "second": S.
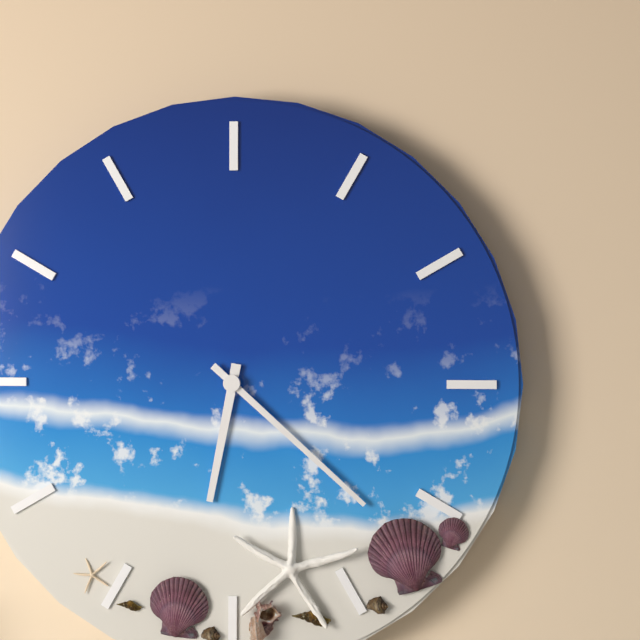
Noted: {"hour": 6, "minute": 22}
